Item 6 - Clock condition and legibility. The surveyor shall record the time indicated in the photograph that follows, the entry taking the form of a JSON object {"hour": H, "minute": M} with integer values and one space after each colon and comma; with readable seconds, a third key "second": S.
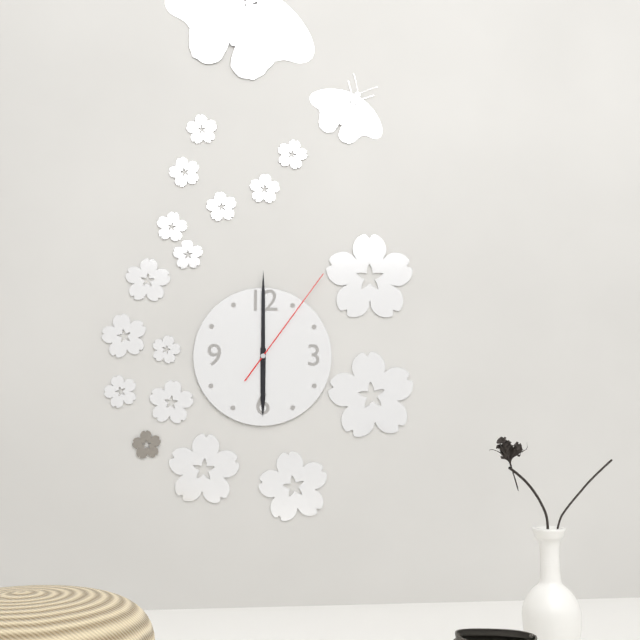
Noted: {"hour": 6, "minute": 0, "second": 6}
